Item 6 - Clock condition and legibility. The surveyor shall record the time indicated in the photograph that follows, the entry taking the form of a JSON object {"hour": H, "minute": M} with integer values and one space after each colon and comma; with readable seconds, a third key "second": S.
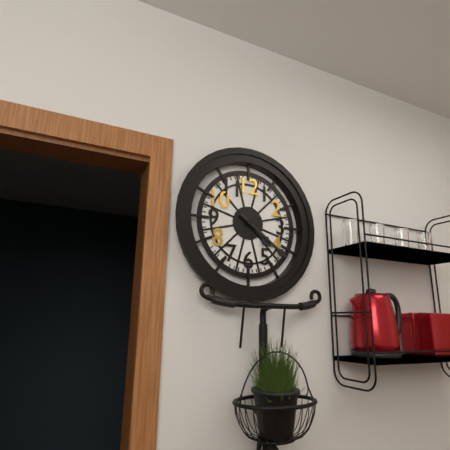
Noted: {"hour": 4, "minute": 21}
